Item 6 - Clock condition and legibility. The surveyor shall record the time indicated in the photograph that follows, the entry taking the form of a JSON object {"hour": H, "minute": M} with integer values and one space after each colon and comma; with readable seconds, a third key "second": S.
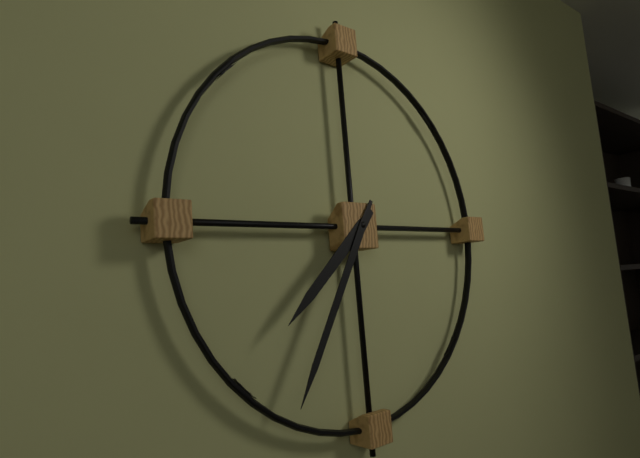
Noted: {"hour": 7, "minute": 35}
